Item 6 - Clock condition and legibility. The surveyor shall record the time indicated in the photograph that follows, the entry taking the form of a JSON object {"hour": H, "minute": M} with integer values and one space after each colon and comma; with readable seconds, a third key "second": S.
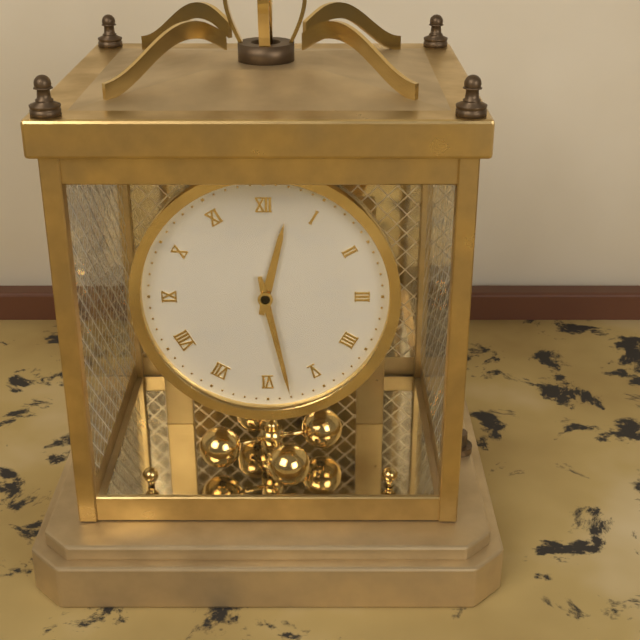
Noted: {"hour": 12, "minute": 28}
